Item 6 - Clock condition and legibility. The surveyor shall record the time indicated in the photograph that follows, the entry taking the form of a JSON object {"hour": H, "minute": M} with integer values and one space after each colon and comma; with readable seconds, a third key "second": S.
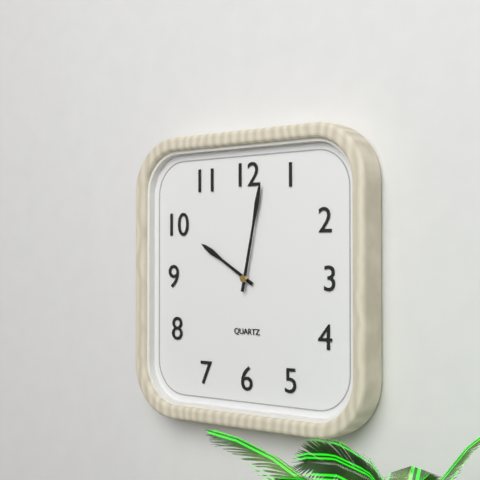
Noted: {"hour": 10, "minute": 2}
